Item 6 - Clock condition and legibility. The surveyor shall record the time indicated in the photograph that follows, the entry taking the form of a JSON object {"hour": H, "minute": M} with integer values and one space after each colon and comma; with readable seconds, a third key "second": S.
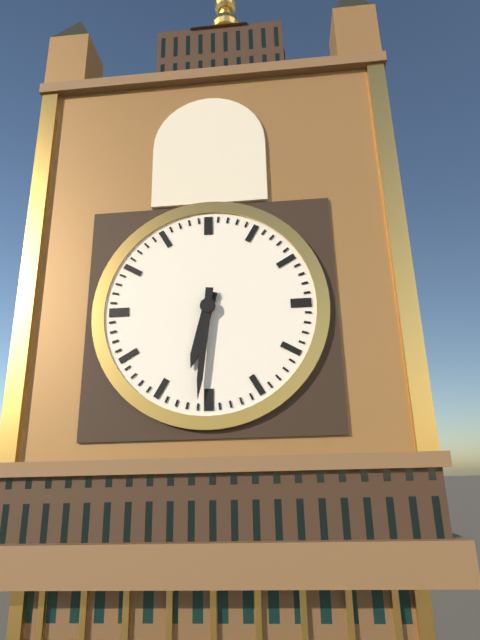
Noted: {"hour": 6, "minute": 31}
